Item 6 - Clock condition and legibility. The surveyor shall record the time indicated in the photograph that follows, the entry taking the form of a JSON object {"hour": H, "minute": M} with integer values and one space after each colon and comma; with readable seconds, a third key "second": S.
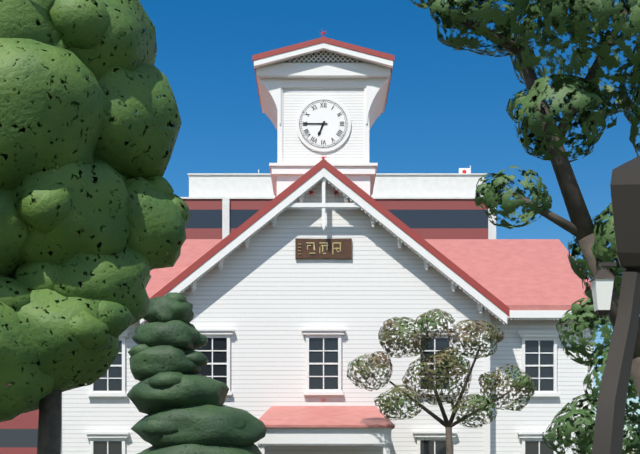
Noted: {"hour": 6, "minute": 45}
